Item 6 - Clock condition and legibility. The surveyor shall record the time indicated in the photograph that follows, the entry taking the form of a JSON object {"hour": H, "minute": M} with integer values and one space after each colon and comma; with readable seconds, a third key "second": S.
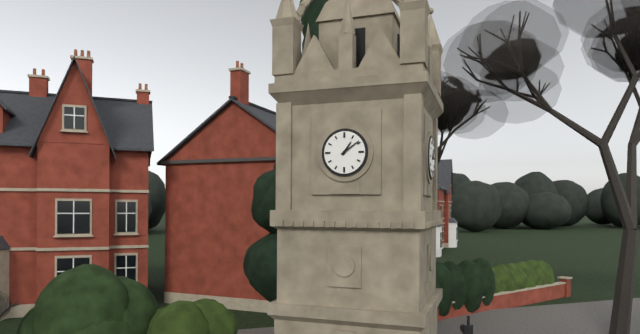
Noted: {"hour": 1, "minute": 9}
